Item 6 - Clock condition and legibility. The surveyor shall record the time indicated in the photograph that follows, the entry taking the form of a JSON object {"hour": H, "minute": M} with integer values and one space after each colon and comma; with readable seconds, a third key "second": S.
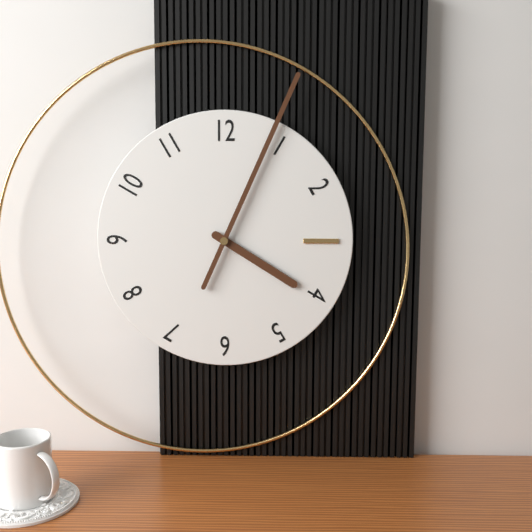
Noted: {"hour": 4, "minute": 4}
